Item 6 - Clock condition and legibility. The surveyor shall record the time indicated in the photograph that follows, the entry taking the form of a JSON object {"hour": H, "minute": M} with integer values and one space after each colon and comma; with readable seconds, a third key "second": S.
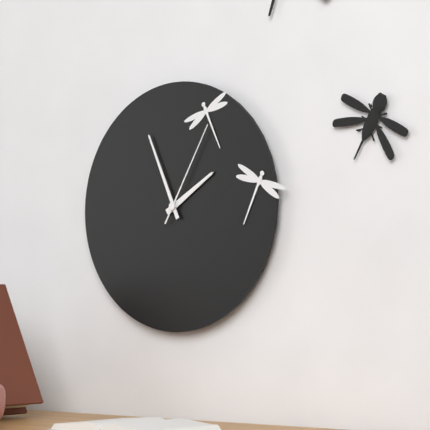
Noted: {"hour": 1, "minute": 56, "second": 5}
